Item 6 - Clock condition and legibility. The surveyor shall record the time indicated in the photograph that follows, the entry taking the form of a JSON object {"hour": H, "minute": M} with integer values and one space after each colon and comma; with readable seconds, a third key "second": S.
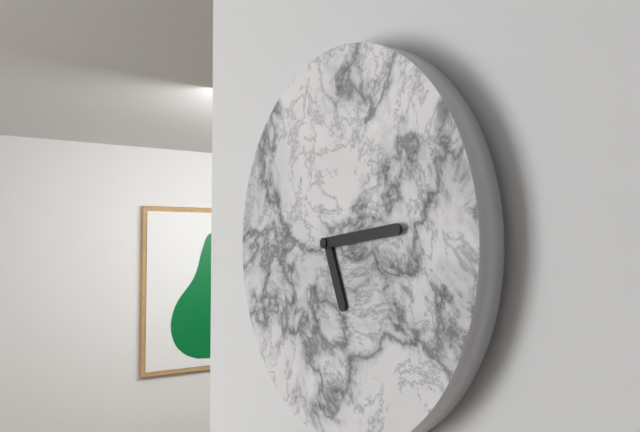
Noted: {"hour": 5, "minute": 14}
